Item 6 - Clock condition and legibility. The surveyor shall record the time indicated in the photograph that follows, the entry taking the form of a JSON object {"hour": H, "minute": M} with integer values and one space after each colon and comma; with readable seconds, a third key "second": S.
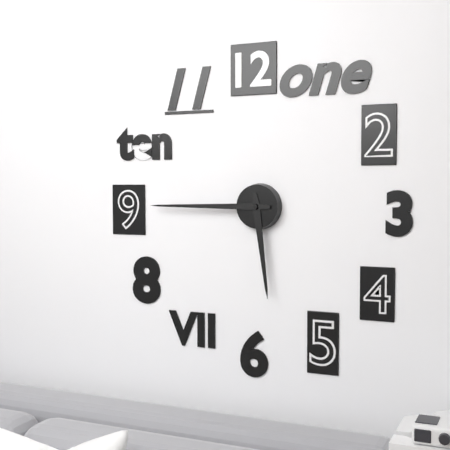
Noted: {"hour": 5, "minute": 45}
